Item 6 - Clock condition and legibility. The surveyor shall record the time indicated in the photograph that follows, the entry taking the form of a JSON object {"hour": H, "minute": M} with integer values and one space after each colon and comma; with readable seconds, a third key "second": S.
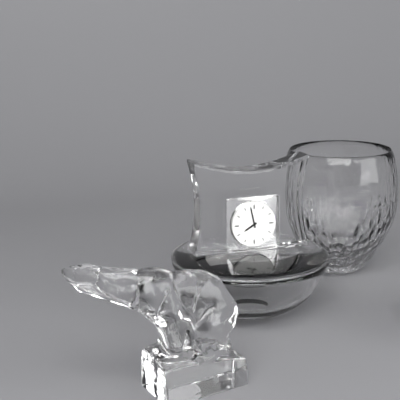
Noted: {"hour": 7, "minute": 58}
